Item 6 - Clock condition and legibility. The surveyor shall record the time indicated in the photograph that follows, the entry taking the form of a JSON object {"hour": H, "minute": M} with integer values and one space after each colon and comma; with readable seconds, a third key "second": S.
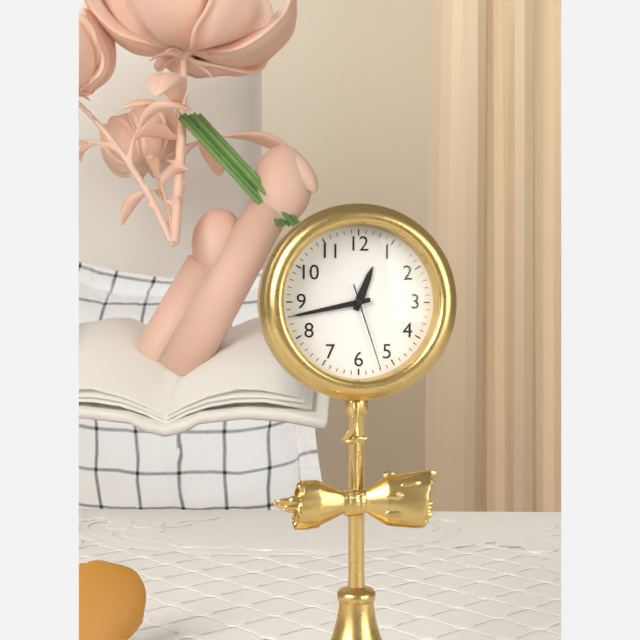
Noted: {"hour": 12, "minute": 43, "second": 27}
